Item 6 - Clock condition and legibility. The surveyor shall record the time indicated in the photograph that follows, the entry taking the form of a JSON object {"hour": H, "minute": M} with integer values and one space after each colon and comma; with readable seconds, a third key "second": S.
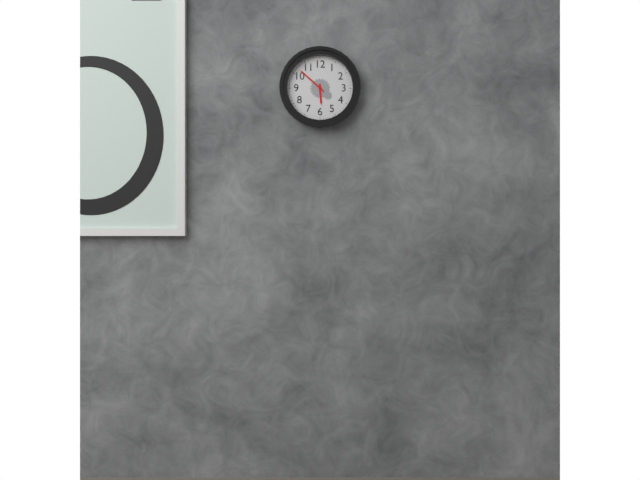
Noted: {"hour": 5, "minute": 52}
